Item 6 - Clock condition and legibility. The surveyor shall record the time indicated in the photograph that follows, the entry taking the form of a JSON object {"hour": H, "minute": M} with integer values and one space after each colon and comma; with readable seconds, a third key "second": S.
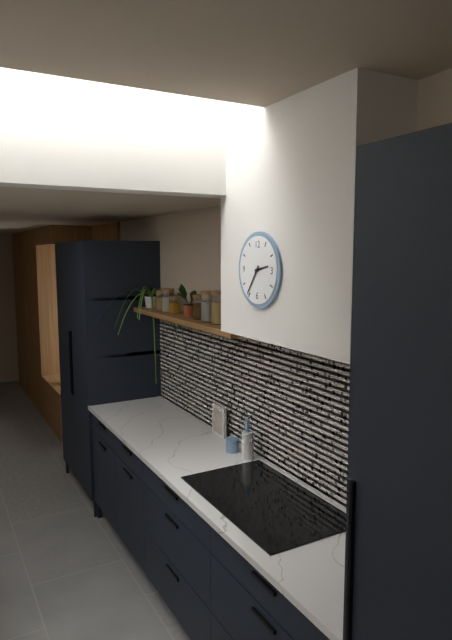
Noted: {"hour": 2, "minute": 36}
